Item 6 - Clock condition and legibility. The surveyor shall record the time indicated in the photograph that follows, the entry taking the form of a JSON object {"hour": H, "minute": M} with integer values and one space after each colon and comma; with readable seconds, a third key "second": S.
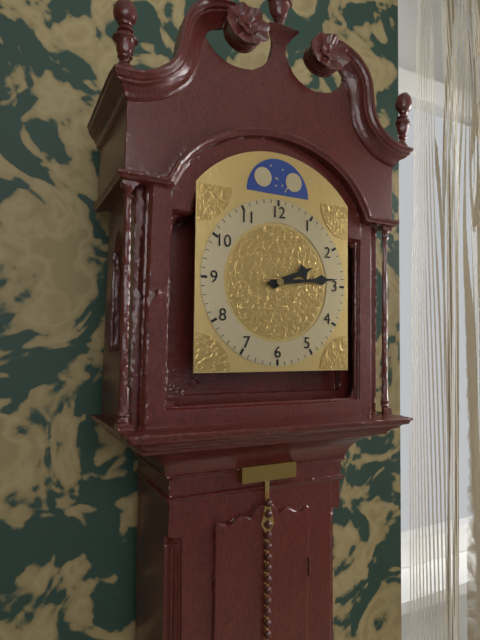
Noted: {"hour": 2, "minute": 14}
